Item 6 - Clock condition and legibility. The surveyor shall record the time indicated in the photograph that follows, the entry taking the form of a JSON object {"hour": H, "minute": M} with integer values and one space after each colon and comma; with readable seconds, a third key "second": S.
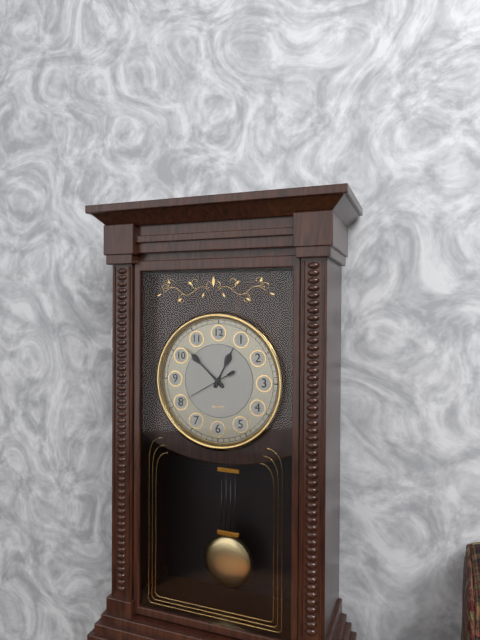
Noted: {"hour": 12, "minute": 52, "second": 40}
